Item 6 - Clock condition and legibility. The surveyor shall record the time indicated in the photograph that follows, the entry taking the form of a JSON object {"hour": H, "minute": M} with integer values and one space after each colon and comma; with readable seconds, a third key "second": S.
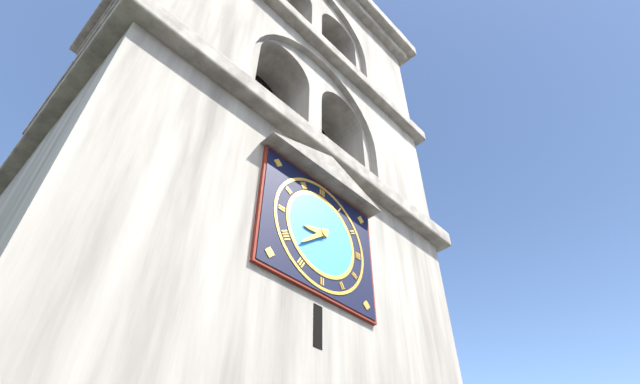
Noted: {"hour": 8, "minute": 38}
